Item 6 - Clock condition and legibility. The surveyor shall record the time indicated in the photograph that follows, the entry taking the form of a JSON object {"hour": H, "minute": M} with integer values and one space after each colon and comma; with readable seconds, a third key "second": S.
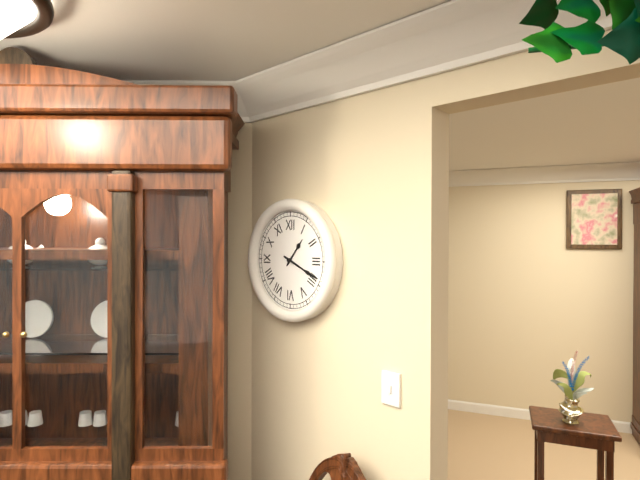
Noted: {"hour": 1, "minute": 19}
